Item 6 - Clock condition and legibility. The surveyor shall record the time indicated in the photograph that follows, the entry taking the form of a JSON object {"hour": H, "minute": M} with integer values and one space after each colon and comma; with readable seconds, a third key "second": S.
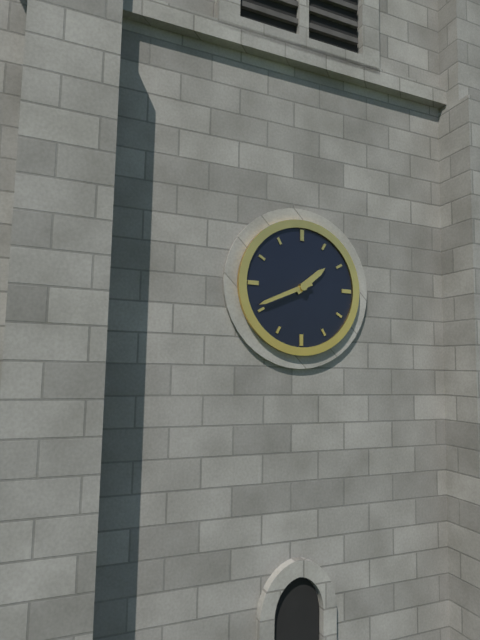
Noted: {"hour": 1, "minute": 41}
